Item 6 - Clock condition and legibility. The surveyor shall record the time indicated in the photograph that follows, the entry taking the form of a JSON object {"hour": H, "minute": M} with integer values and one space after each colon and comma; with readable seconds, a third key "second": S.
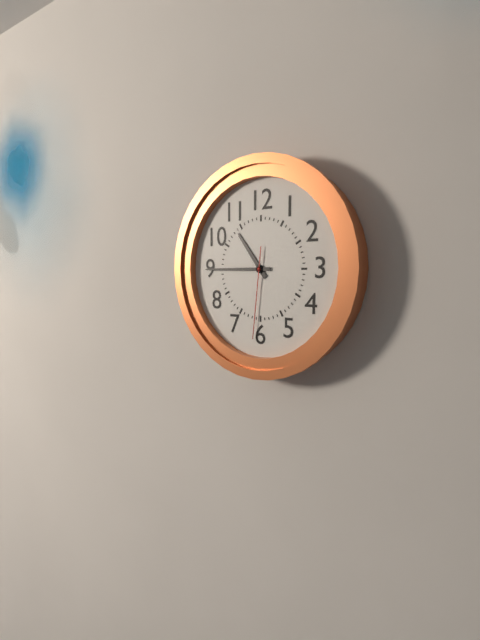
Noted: {"hour": 10, "minute": 45, "second": 31}
